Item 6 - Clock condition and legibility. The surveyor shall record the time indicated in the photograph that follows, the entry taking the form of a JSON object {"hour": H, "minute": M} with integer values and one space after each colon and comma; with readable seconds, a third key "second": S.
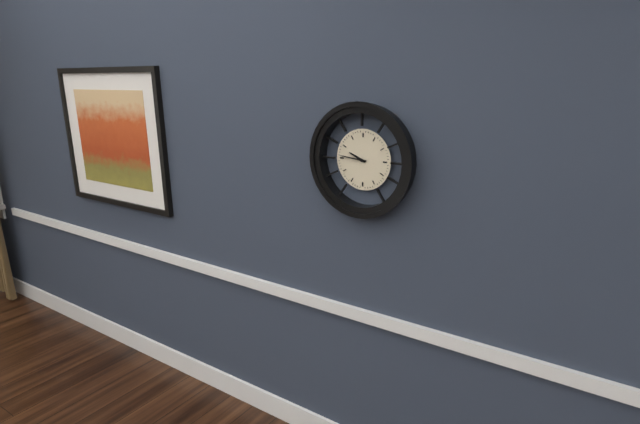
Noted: {"hour": 9, "minute": 46}
